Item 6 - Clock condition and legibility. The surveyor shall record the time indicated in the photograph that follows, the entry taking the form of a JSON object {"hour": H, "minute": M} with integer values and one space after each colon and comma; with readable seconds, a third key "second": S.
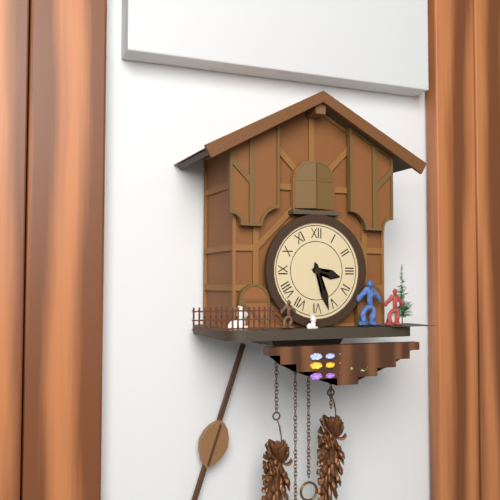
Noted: {"hour": 3, "minute": 27}
